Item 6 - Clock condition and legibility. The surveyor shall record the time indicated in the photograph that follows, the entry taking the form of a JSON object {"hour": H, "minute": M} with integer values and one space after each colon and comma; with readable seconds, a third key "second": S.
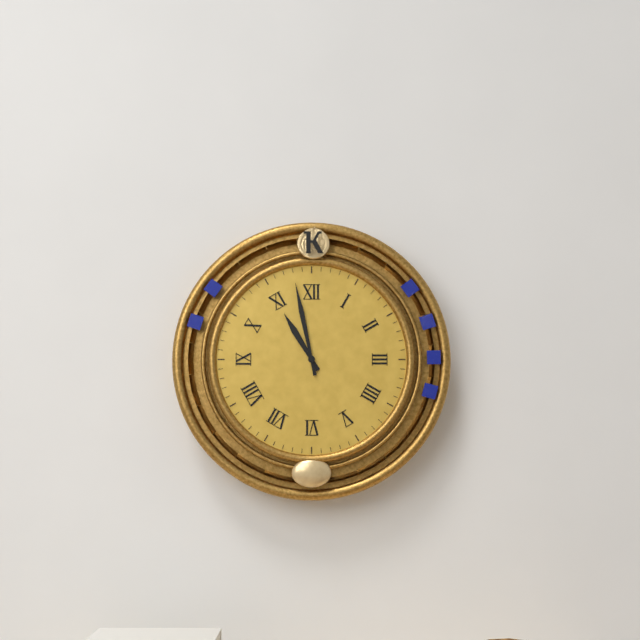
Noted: {"hour": 10, "minute": 58}
